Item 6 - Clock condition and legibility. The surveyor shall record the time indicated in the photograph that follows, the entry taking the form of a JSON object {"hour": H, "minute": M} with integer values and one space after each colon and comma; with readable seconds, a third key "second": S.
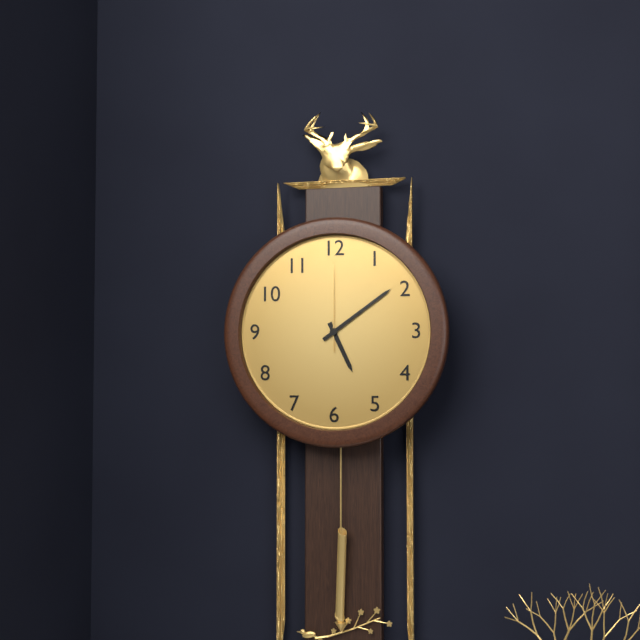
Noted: {"hour": 5, "minute": 9, "second": 0}
